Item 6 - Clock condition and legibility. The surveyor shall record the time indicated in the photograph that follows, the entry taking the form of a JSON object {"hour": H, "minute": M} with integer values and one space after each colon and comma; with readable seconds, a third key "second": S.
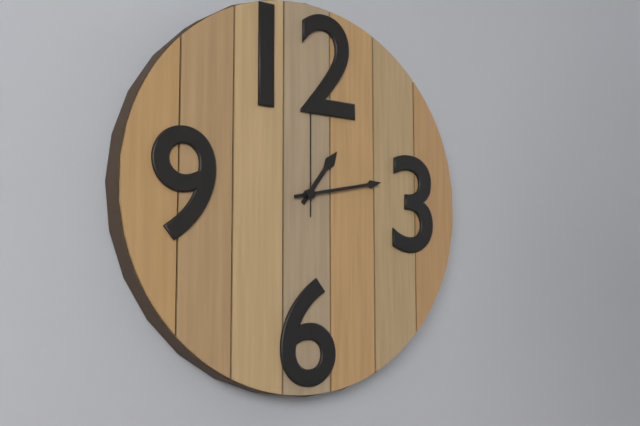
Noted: {"hour": 1, "minute": 13, "second": 0}
